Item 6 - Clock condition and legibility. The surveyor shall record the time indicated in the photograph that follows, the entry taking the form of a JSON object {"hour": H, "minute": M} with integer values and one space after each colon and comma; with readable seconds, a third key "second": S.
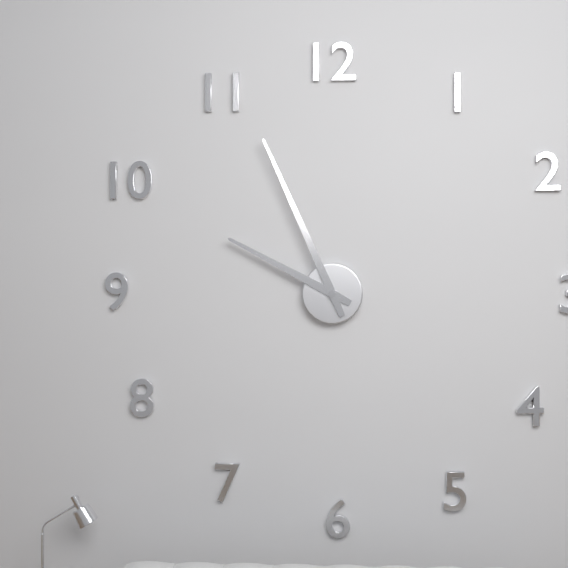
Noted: {"hour": 9, "minute": 56}
